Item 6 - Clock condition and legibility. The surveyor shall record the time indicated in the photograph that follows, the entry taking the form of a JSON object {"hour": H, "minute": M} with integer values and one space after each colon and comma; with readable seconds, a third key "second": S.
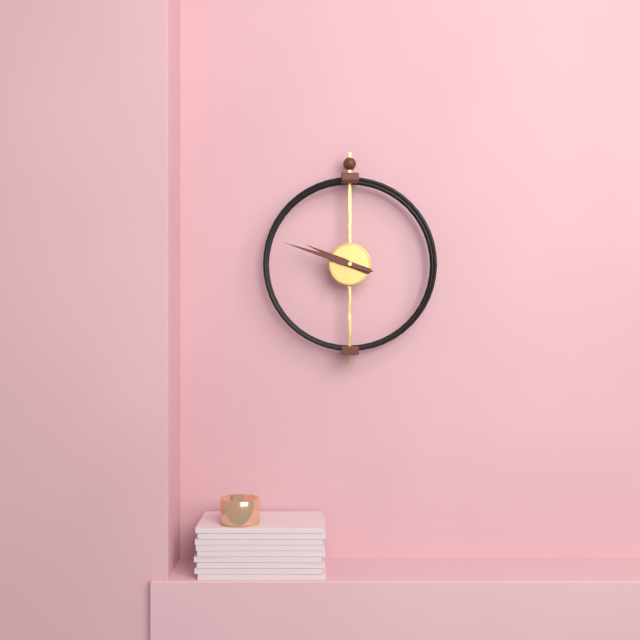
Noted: {"hour": 9, "minute": 48}
